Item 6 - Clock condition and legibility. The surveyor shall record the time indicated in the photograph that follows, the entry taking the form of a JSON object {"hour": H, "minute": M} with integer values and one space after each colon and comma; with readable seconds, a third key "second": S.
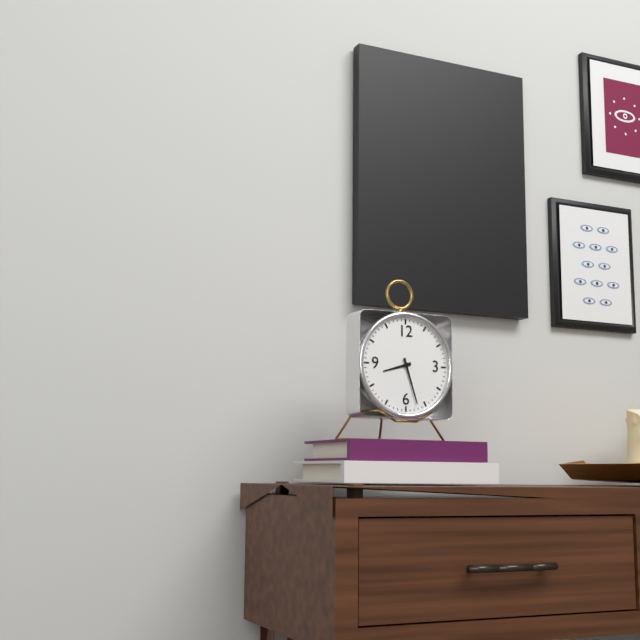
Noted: {"hour": 8, "minute": 27}
